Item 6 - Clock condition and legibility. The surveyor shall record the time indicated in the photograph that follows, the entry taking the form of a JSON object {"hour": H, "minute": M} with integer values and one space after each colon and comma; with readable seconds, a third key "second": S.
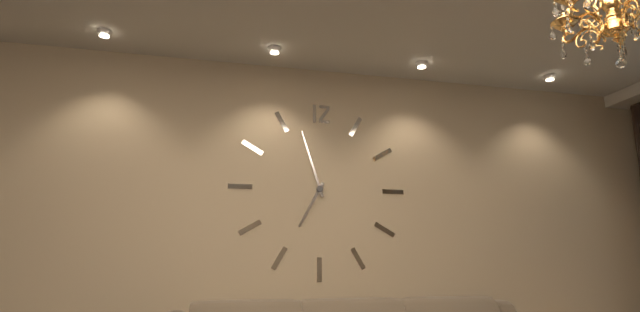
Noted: {"hour": 6, "minute": 57}
